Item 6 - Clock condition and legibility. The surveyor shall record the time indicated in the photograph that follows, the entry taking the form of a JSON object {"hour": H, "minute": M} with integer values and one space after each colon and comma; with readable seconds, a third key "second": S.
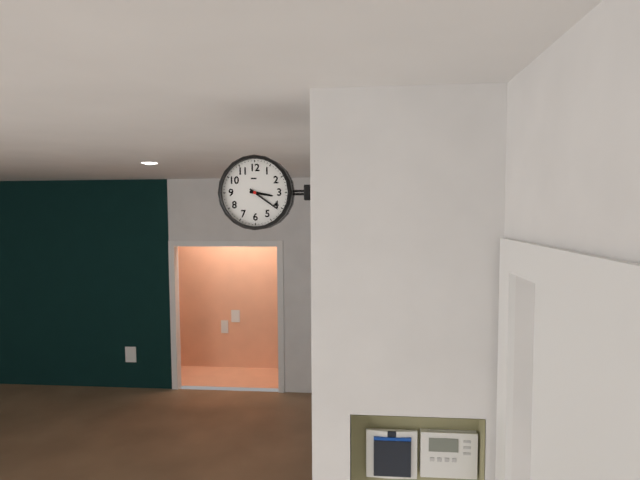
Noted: {"hour": 3, "minute": 21}
